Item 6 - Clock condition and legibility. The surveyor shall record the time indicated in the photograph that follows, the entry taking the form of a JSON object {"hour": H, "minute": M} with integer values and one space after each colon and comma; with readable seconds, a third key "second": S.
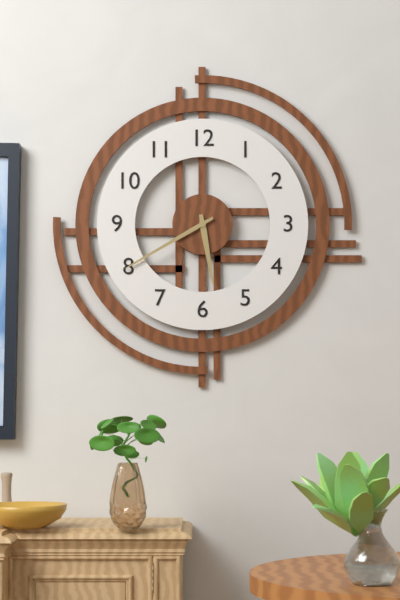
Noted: {"hour": 5, "minute": 40}
